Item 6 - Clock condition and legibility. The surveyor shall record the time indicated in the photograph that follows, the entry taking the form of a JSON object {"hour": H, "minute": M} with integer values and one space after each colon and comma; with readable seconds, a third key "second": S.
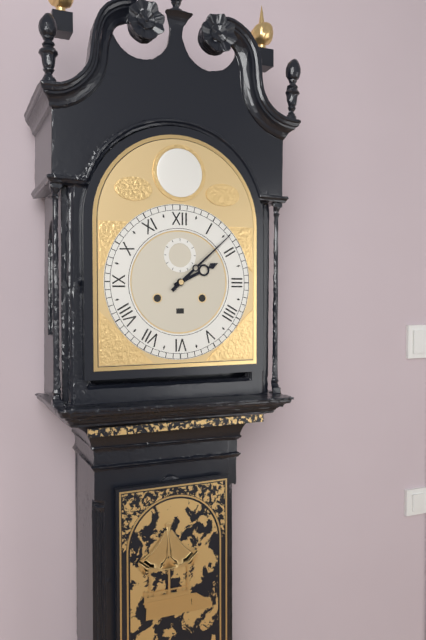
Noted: {"hour": 2, "minute": 8}
